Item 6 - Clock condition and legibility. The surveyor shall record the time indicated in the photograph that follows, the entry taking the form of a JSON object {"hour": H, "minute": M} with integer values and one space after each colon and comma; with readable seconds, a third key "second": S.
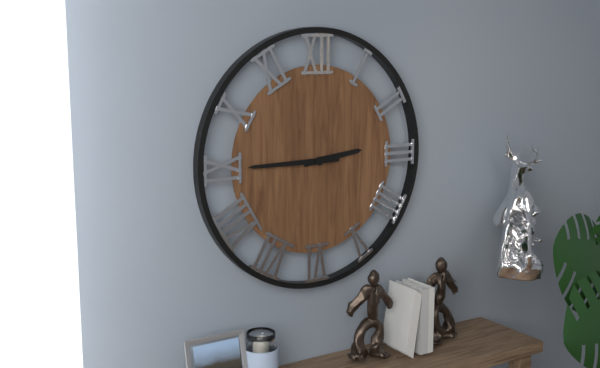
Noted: {"hour": 2, "minute": 45}
